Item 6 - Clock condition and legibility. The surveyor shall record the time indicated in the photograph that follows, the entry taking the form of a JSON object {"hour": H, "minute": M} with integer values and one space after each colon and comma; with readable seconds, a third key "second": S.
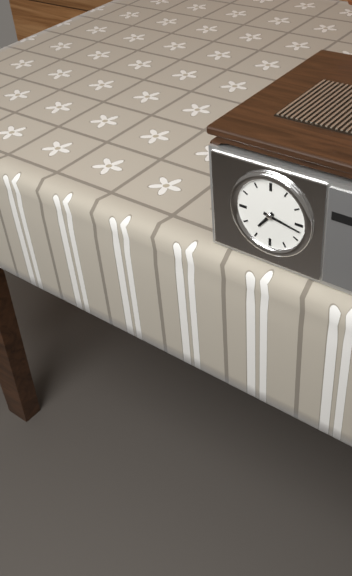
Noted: {"hour": 7, "minute": 17}
